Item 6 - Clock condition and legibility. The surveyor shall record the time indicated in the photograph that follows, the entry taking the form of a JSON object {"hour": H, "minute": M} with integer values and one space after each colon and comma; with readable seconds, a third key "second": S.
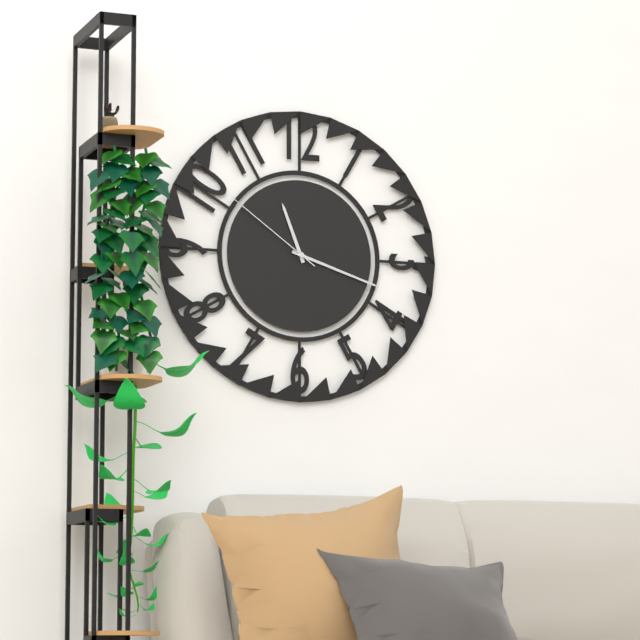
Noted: {"hour": 11, "minute": 18, "second": 51}
